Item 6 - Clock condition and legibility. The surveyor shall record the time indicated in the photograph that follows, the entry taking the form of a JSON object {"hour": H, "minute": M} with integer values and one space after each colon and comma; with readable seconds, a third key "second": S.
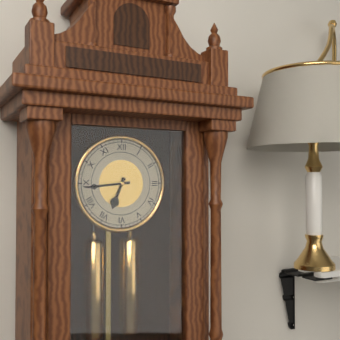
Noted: {"hour": 6, "minute": 44}
